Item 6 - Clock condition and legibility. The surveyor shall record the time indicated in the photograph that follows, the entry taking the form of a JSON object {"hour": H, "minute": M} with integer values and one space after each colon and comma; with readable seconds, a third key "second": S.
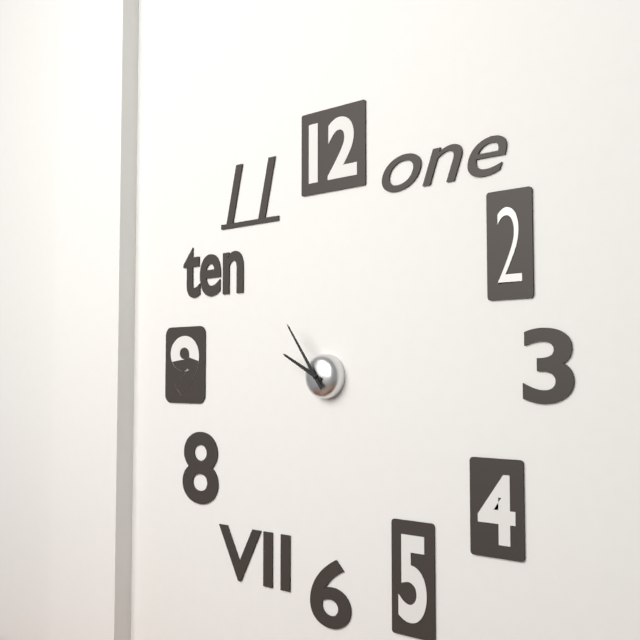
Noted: {"hour": 9, "minute": 54}
